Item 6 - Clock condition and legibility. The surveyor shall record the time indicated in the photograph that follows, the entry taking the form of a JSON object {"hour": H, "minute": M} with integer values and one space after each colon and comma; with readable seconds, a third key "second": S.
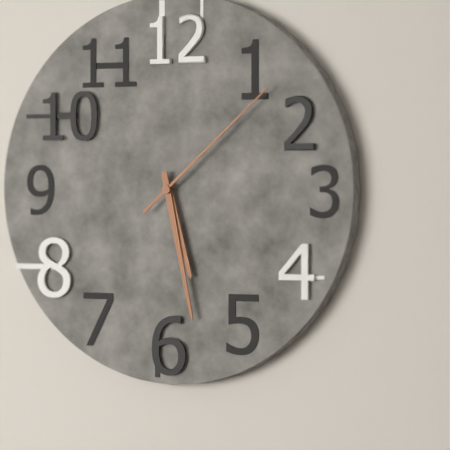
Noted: {"hour": 5, "minute": 28, "second": 8}
